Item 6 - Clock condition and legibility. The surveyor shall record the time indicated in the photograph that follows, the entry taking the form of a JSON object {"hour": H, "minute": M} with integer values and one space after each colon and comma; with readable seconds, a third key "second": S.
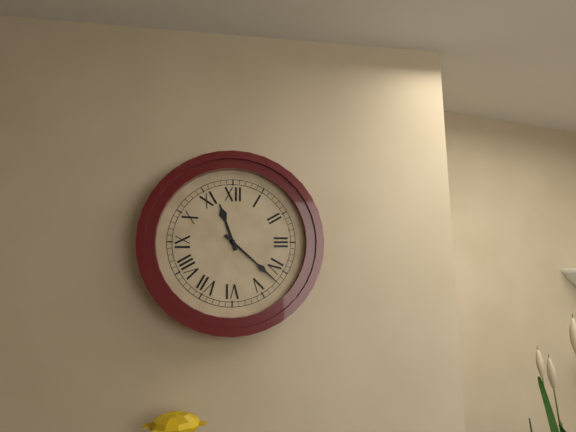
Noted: {"hour": 11, "minute": 22}
